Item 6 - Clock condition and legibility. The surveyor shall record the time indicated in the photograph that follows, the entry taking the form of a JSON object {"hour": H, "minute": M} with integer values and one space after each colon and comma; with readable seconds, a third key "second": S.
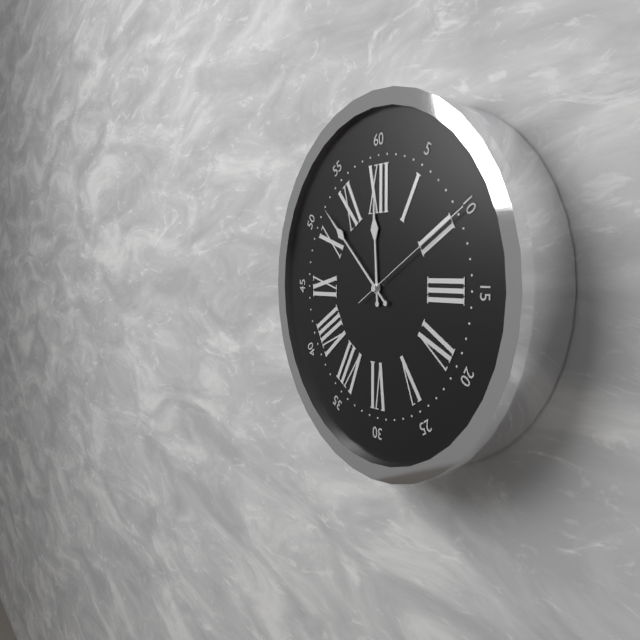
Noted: {"hour": 11, "minute": 52, "second": 10}
